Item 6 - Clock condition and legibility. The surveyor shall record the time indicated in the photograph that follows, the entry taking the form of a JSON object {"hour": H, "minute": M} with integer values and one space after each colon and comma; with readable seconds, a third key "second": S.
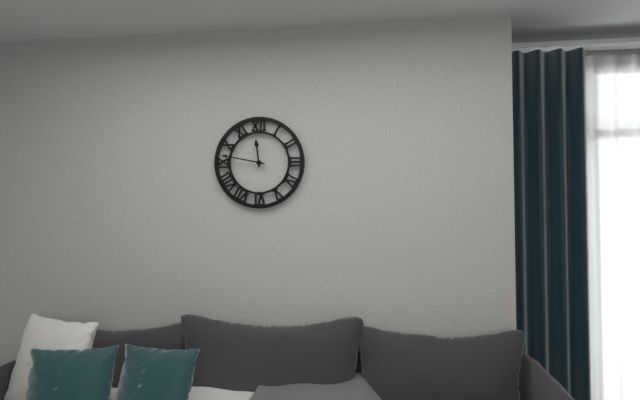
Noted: {"hour": 11, "minute": 47}
